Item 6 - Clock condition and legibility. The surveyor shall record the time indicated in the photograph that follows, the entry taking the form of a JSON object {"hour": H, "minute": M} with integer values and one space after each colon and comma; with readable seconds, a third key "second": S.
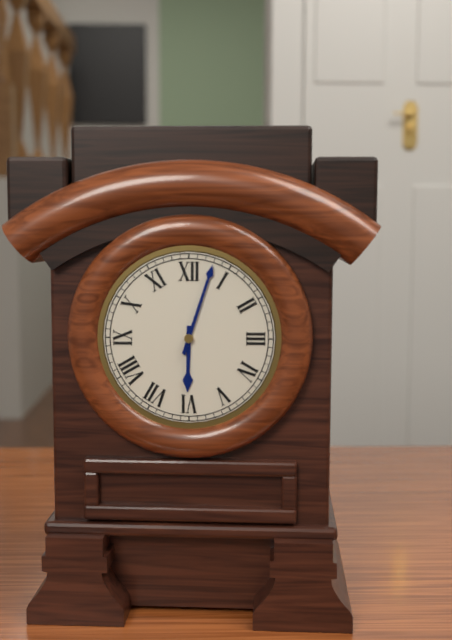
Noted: {"hour": 6, "minute": 3}
